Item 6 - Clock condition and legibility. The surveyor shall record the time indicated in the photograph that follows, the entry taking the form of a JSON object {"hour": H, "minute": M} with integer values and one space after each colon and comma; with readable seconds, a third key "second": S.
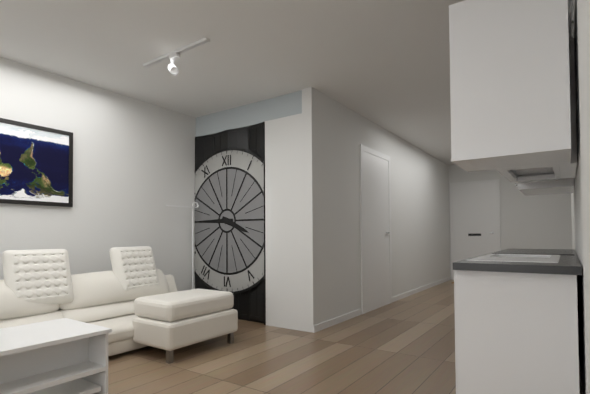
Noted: {"hour": 3, "minute": 45}
